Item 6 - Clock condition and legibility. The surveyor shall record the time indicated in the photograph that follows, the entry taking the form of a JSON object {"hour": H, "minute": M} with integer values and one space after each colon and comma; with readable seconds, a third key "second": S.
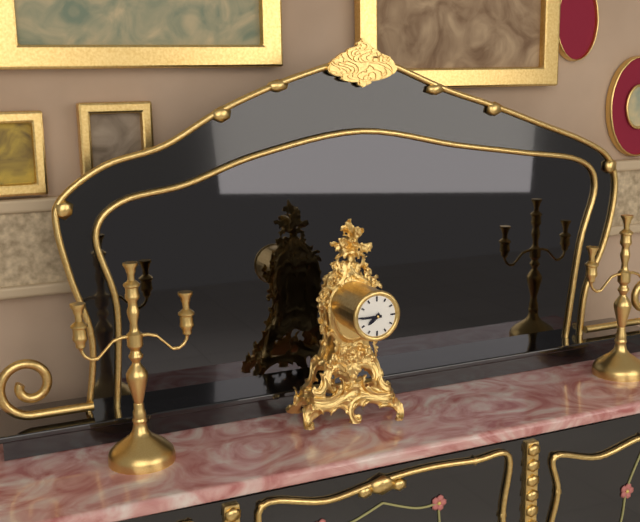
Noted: {"hour": 7, "minute": 45}
